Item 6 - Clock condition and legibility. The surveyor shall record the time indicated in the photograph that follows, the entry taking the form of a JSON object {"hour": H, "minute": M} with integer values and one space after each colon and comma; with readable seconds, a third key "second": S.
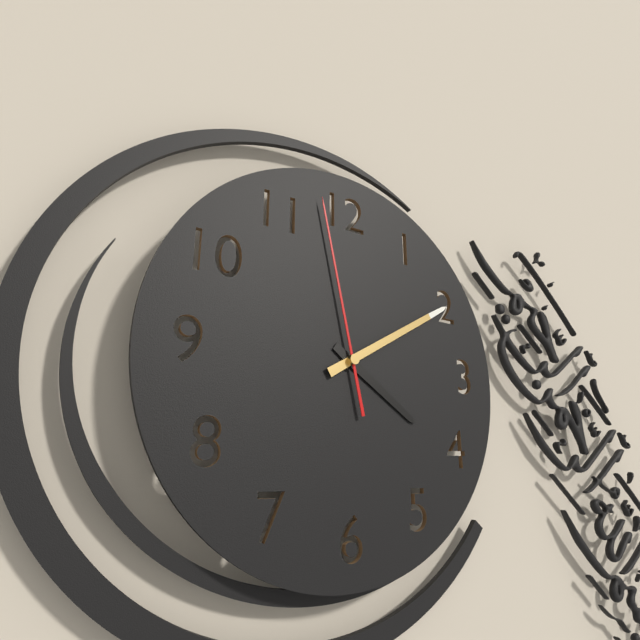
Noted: {"hour": 4, "minute": 10, "second": 58}
